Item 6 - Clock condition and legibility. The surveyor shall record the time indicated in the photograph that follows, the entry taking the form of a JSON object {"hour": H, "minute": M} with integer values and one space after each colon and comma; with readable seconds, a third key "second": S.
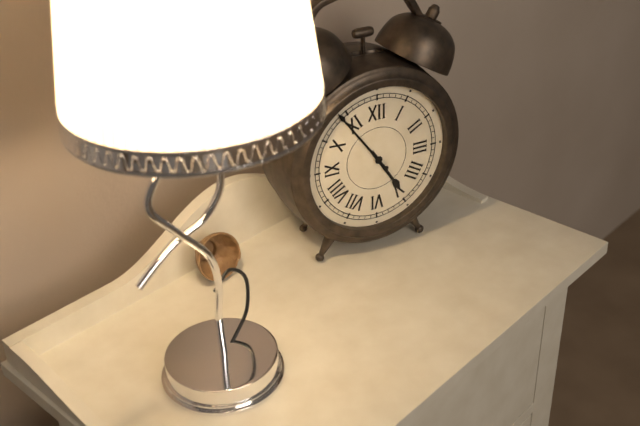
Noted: {"hour": 4, "minute": 54, "second": 54}
